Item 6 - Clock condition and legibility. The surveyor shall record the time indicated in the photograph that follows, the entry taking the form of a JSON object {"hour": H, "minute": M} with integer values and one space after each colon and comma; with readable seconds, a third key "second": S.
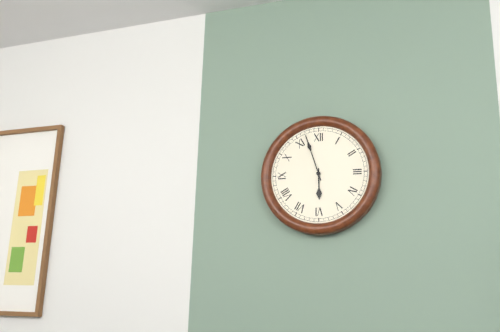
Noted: {"hour": 5, "minute": 57}
